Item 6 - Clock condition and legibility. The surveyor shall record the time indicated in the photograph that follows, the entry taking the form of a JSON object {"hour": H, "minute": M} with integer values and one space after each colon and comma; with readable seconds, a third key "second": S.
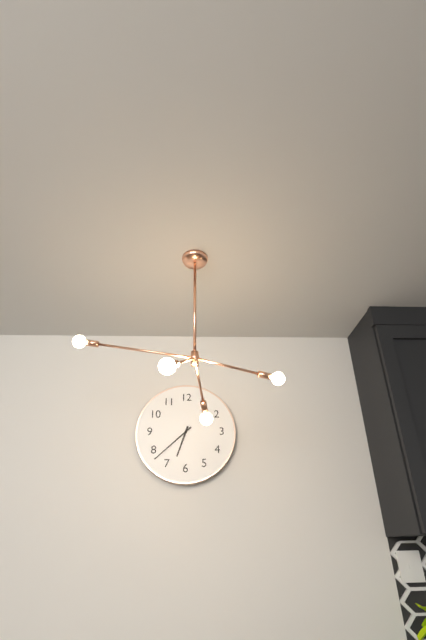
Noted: {"hour": 6, "minute": 38}
